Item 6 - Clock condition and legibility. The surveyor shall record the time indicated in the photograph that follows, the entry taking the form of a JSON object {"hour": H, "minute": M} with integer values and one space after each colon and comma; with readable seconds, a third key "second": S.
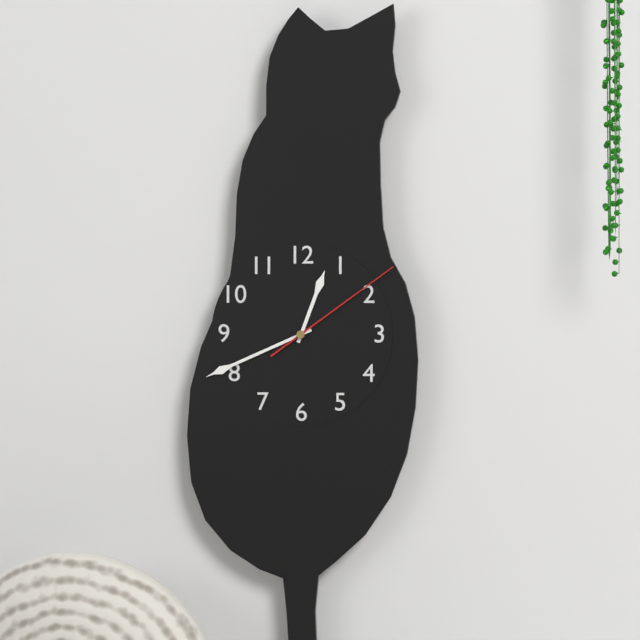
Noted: {"hour": 12, "minute": 41, "second": 9}
